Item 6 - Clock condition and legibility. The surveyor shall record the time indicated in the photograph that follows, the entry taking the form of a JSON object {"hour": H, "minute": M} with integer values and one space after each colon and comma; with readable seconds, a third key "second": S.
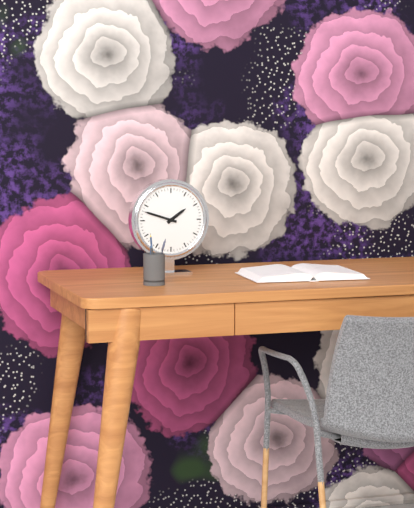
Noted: {"hour": 1, "minute": 48}
